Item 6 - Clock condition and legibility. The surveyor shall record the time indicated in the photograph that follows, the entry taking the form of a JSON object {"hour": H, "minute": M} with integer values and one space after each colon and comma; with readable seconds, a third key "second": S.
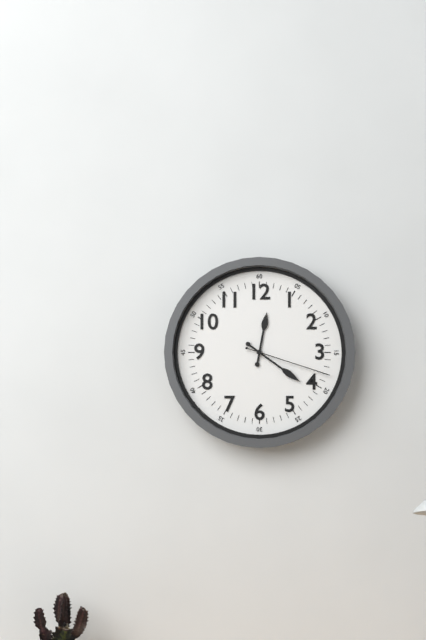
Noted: {"hour": 12, "minute": 21, "second": 18}
